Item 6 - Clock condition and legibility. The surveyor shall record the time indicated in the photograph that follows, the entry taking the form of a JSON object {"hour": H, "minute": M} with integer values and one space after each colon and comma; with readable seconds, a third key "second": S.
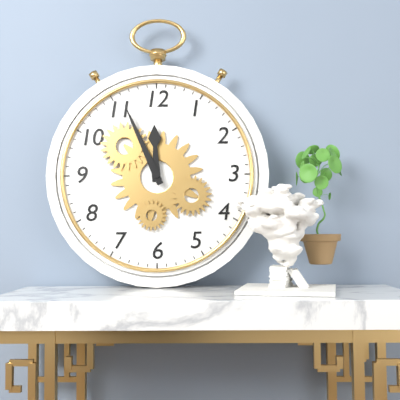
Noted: {"hour": 11, "minute": 56}
